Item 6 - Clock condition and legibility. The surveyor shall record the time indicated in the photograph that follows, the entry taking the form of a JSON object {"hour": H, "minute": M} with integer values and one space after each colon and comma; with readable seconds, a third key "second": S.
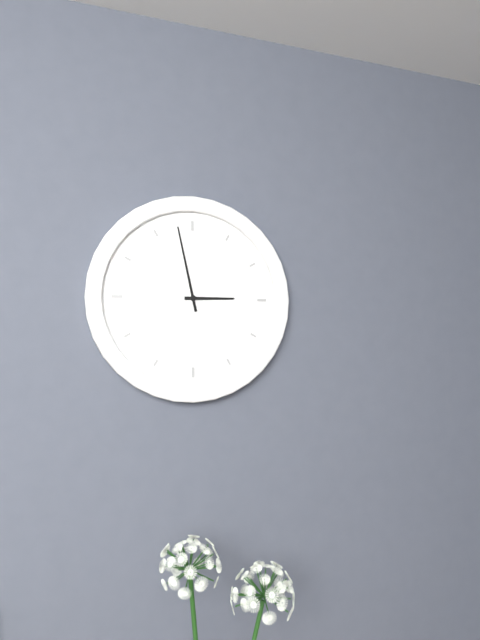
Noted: {"hour": 2, "minute": 58}
